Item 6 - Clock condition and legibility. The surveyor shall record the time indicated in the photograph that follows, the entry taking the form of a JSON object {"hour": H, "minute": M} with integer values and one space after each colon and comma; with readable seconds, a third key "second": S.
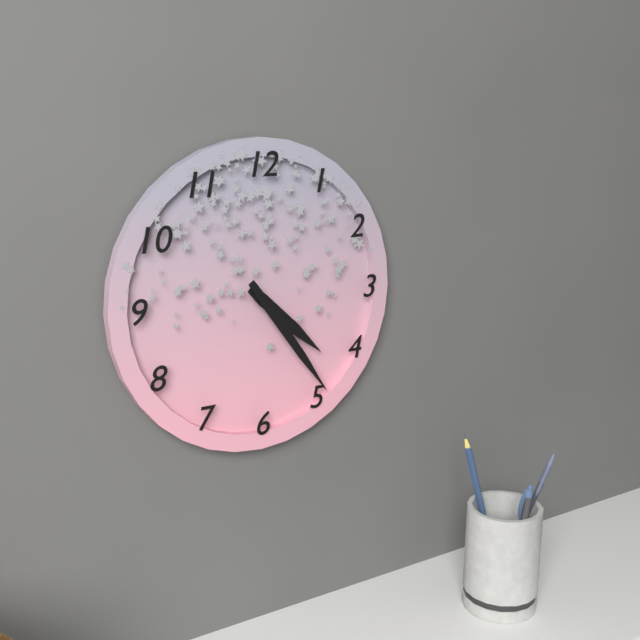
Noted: {"hour": 4, "minute": 24}
